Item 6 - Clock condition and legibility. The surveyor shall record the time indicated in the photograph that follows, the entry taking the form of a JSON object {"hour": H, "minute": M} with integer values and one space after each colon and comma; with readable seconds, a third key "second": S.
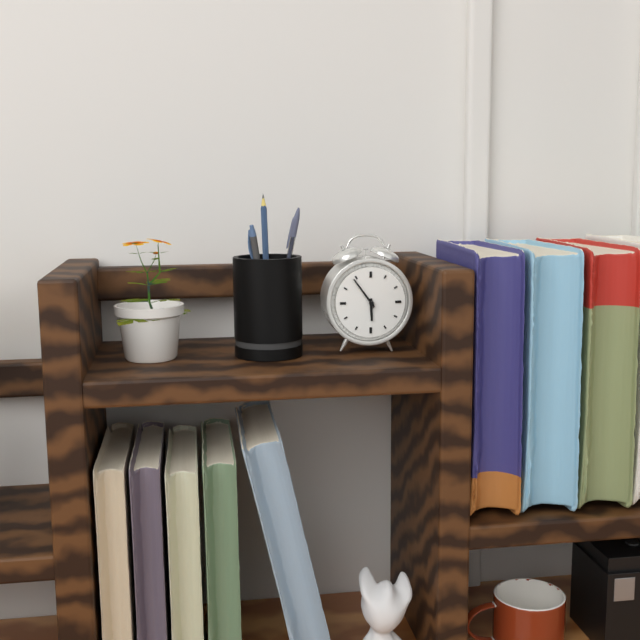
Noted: {"hour": 5, "minute": 54}
